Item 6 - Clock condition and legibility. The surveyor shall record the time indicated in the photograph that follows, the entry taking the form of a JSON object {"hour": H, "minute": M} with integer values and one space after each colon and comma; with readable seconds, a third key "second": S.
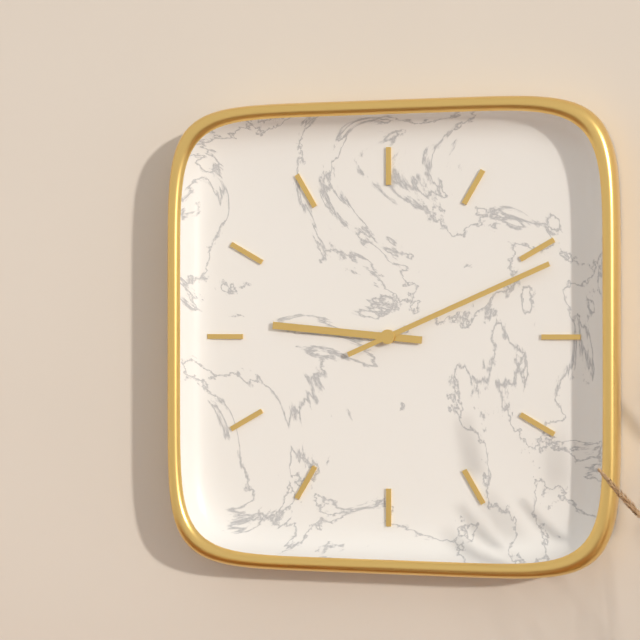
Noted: {"hour": 9, "minute": 11}
